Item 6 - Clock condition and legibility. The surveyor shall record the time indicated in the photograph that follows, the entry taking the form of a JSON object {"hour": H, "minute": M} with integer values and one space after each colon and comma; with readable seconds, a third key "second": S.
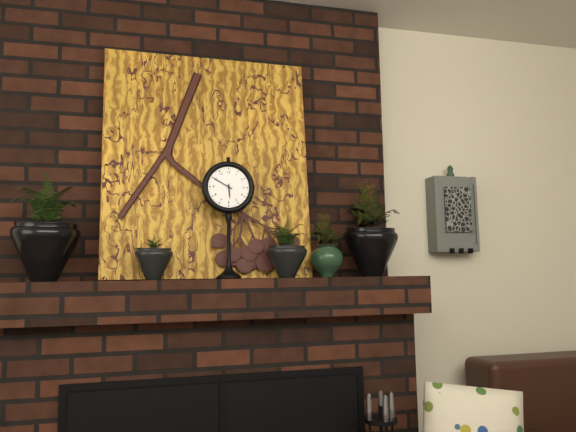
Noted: {"hour": 5, "minute": 50}
